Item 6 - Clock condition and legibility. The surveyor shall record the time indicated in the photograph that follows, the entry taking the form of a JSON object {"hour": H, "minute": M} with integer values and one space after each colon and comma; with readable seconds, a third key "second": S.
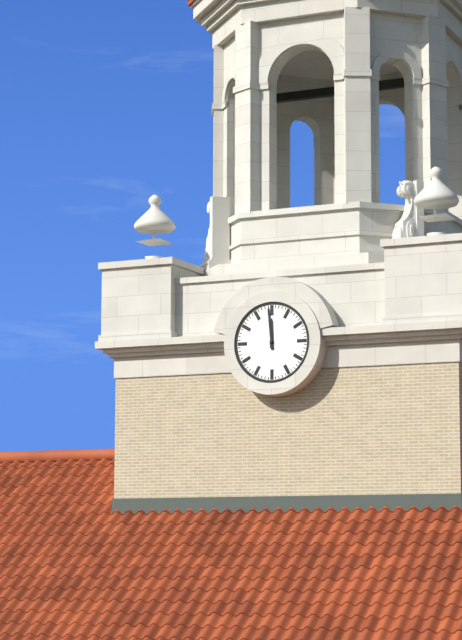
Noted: {"hour": 11, "minute": 59}
